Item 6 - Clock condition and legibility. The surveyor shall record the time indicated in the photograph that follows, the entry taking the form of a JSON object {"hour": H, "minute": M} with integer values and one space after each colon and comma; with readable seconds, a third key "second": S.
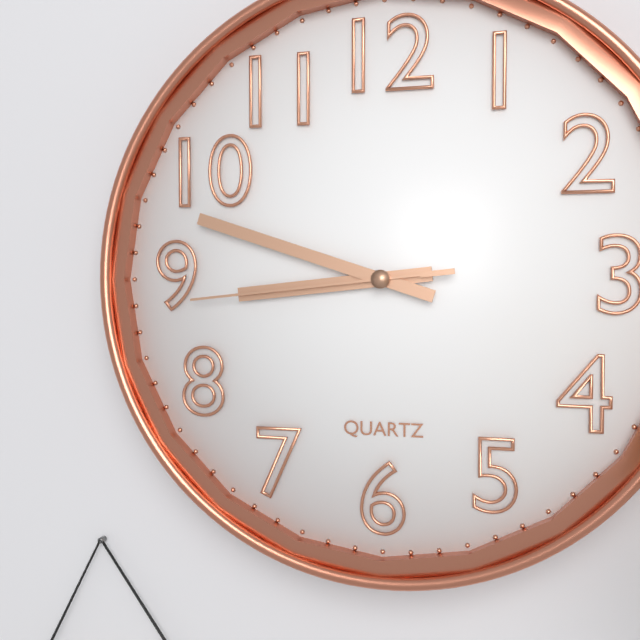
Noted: {"hour": 8, "minute": 48, "second": 44}
